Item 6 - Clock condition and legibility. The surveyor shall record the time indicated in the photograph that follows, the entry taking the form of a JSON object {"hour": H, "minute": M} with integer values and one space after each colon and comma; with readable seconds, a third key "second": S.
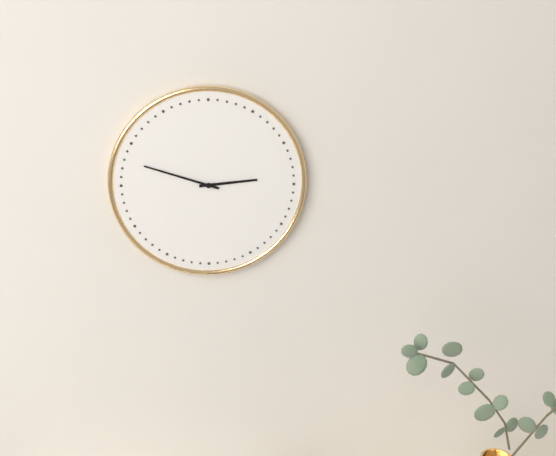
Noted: {"hour": 2, "minute": 48}
